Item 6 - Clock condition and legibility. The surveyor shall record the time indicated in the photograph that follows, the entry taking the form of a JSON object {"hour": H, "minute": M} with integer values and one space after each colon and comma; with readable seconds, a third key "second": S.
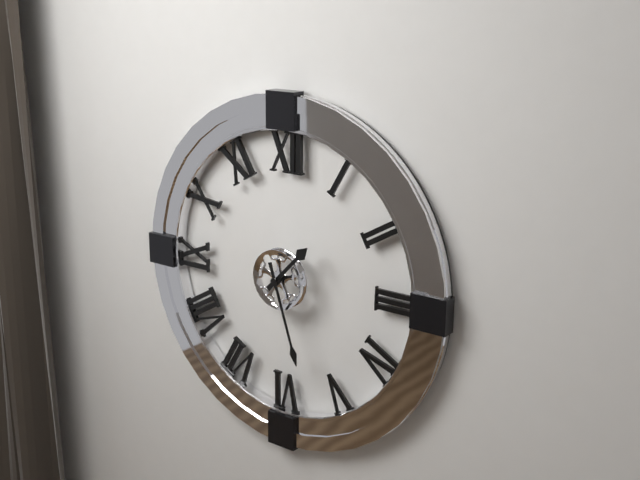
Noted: {"hour": 1, "minute": 27}
